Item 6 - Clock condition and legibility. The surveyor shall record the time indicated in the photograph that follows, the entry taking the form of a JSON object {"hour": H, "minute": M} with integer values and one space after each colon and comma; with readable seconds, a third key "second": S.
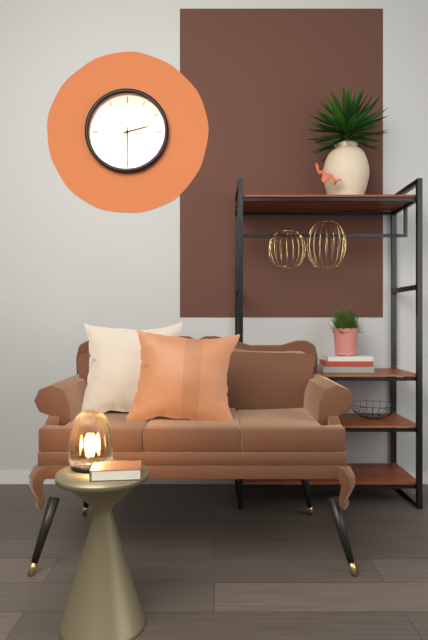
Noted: {"hour": 2, "minute": 30}
